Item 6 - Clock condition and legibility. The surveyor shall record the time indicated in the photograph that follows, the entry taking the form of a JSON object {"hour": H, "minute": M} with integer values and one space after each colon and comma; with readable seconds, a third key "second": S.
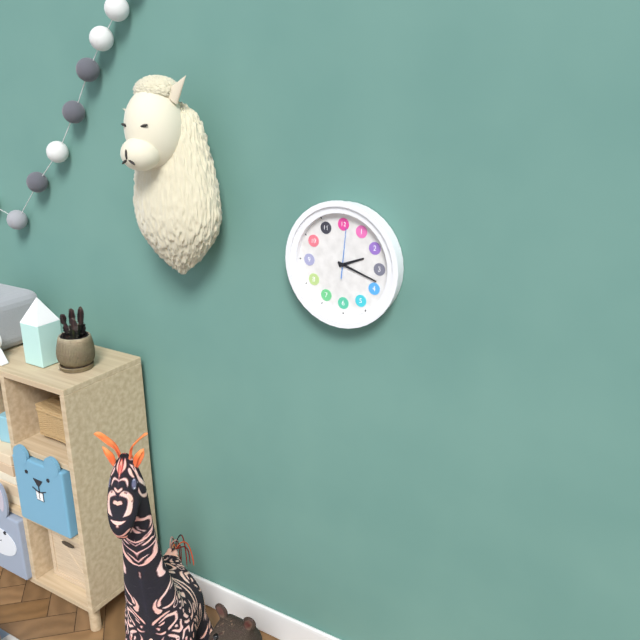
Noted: {"hour": 2, "minute": 18}
